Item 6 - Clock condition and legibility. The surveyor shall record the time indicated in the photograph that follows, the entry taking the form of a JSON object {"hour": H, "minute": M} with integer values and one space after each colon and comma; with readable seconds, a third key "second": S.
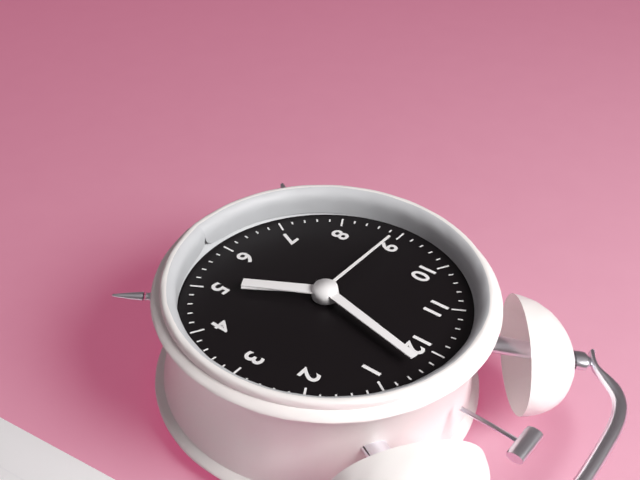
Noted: {"hour": 5, "minute": 2, "second": 45}
